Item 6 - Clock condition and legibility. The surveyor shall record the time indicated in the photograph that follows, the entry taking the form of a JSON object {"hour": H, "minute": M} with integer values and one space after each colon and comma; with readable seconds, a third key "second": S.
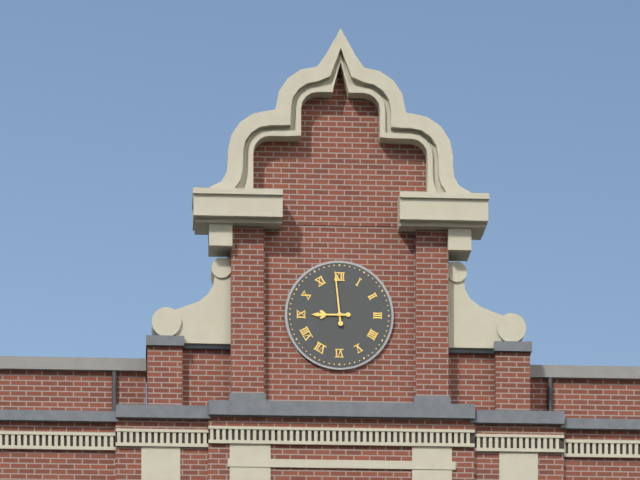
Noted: {"hour": 8, "minute": 59}
